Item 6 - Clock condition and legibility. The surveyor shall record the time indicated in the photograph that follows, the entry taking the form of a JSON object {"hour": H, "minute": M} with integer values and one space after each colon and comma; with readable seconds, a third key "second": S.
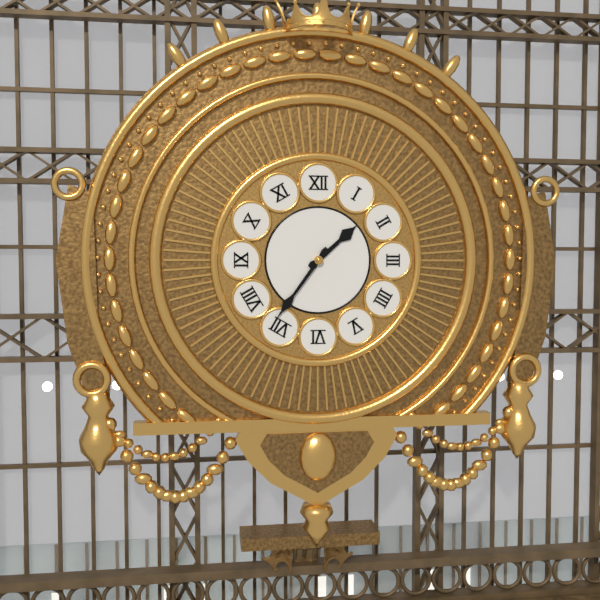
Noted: {"hour": 1, "minute": 36}
